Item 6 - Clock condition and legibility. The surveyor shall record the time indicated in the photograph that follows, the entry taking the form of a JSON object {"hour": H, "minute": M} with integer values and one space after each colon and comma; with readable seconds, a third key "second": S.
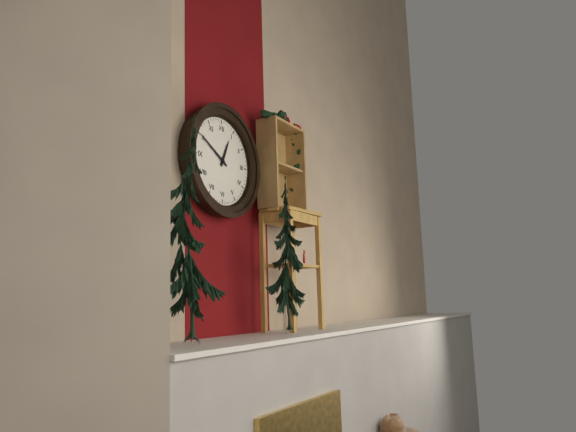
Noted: {"hour": 12, "minute": 50}
